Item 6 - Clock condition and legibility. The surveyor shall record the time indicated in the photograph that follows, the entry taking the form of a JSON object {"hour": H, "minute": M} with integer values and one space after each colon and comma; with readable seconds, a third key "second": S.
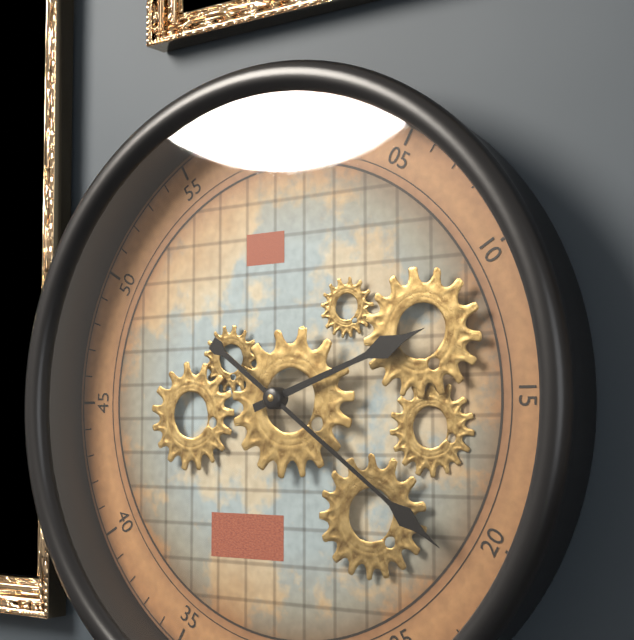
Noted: {"hour": 2, "minute": 21}
